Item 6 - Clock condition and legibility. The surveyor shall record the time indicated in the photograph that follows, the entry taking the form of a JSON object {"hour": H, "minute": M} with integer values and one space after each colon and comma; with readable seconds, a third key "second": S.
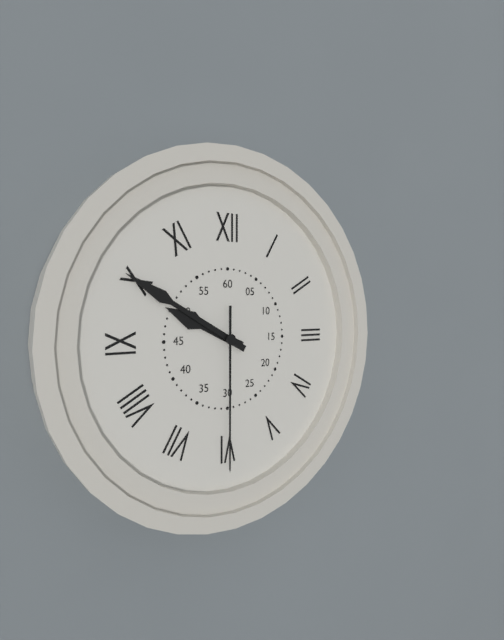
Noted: {"hour": 9, "minute": 50, "second": 30}
